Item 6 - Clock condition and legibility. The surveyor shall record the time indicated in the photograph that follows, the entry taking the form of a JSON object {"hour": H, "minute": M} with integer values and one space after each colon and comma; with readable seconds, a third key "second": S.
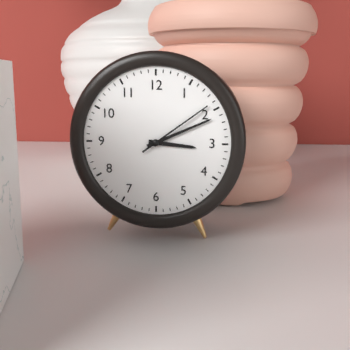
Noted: {"hour": 3, "minute": 11, "second": 9}
